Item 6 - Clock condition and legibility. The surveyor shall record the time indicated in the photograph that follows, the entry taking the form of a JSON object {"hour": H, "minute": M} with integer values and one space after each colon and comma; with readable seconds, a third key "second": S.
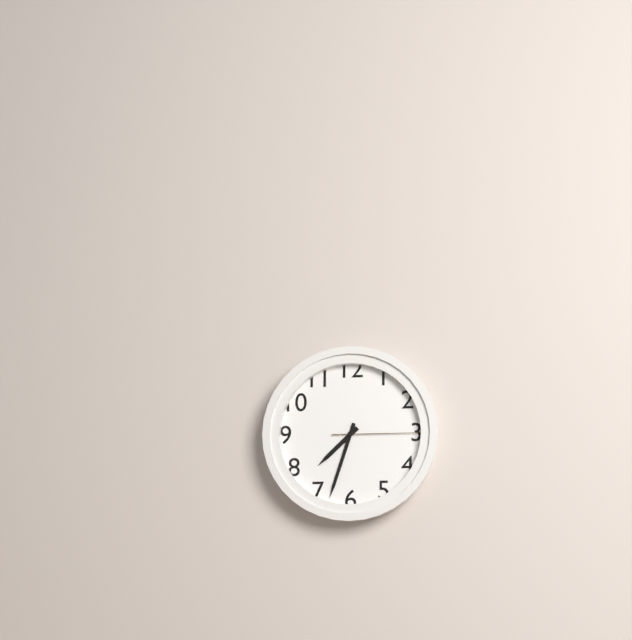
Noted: {"hour": 7, "minute": 33, "second": 15}
